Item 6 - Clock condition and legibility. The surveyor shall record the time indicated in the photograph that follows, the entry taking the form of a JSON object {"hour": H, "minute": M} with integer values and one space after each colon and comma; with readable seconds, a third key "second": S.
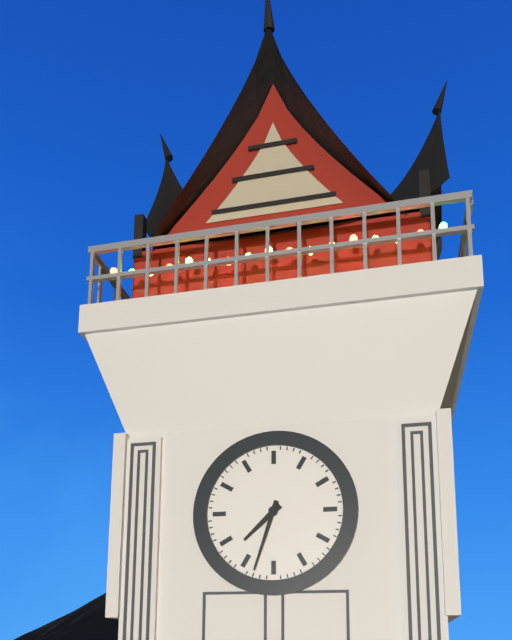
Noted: {"hour": 7, "minute": 33}
